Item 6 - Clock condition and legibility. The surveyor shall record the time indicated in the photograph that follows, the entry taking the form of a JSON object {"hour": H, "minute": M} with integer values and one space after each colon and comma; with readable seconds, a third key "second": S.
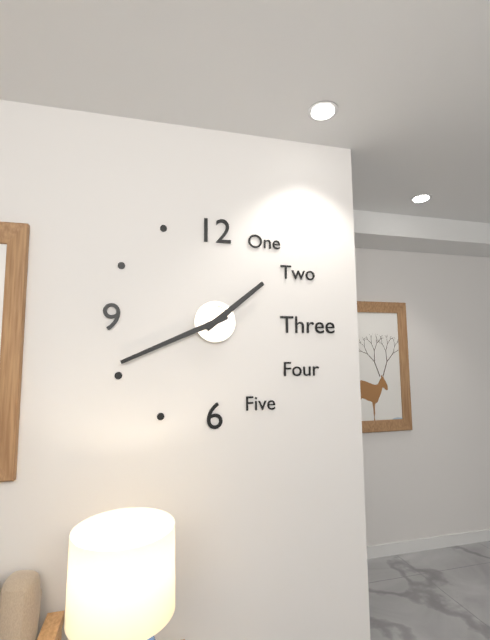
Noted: {"hour": 1, "minute": 41}
